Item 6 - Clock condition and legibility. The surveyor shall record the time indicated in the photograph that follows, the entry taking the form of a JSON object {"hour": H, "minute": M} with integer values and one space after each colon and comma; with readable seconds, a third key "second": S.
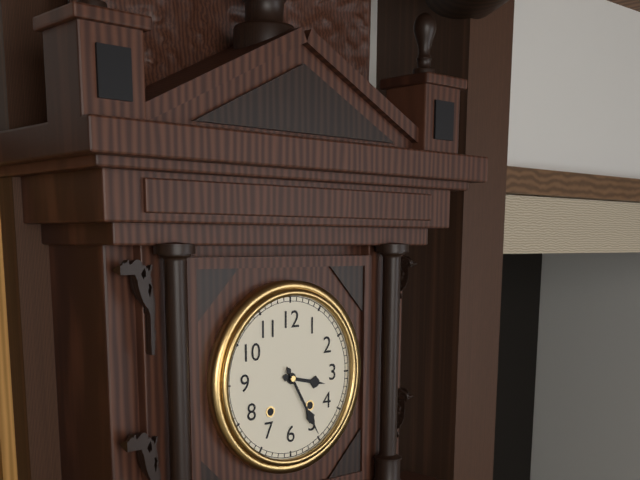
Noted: {"hour": 3, "minute": 25}
